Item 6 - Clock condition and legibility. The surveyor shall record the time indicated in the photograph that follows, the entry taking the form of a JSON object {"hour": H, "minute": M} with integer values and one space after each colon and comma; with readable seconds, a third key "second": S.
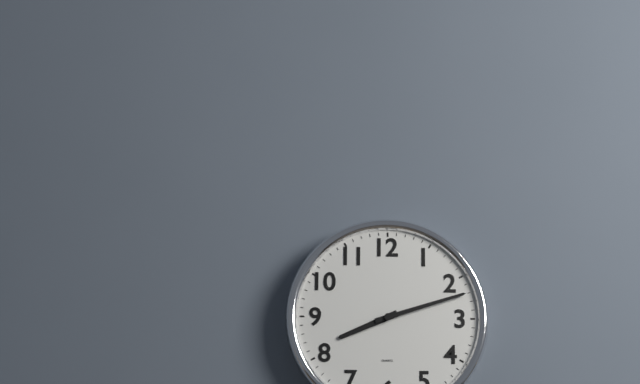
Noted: {"hour": 8, "minute": 12}
